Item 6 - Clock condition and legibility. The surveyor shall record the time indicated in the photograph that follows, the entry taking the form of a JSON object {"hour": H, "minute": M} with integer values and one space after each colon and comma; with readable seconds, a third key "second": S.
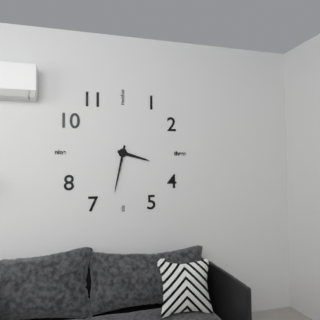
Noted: {"hour": 3, "minute": 32}
